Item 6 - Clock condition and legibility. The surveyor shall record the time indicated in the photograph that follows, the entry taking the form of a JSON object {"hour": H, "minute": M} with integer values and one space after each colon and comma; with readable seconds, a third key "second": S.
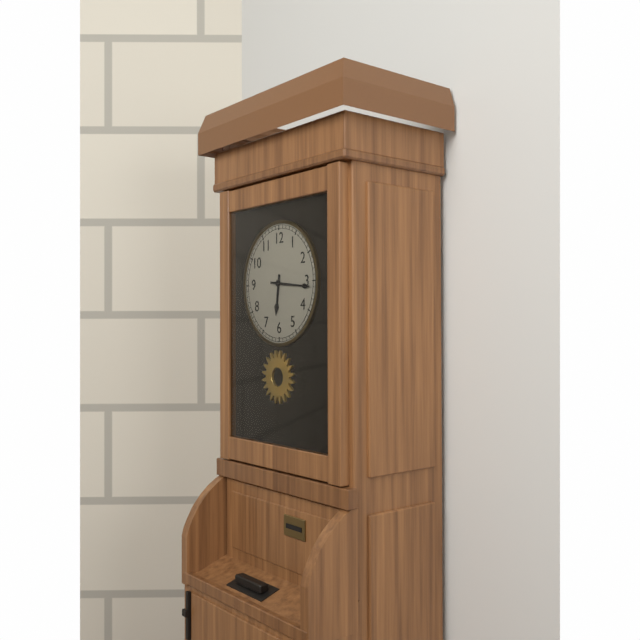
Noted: {"hour": 6, "minute": 16}
